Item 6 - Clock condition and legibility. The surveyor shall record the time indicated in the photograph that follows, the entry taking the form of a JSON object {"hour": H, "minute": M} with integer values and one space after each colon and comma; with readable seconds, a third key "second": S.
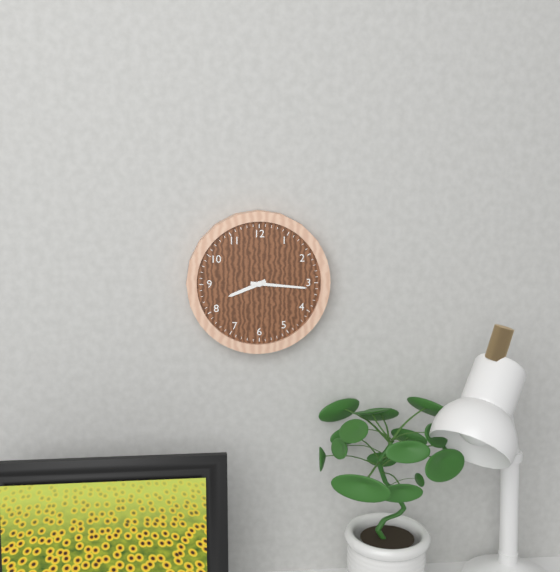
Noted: {"hour": 8, "minute": 16}
